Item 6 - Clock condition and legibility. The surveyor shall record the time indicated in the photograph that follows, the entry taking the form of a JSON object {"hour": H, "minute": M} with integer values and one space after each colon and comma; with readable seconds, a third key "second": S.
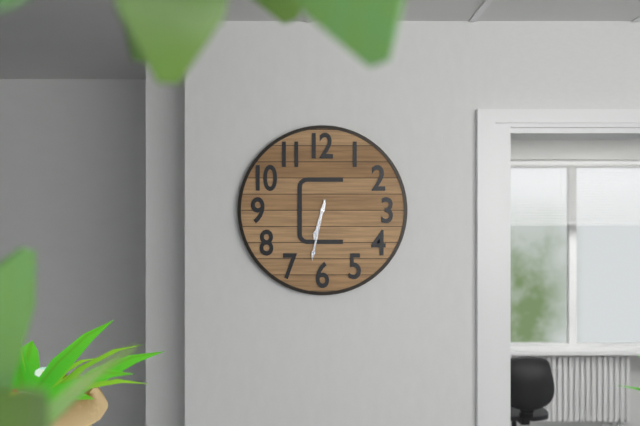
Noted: {"hour": 6, "minute": 32}
